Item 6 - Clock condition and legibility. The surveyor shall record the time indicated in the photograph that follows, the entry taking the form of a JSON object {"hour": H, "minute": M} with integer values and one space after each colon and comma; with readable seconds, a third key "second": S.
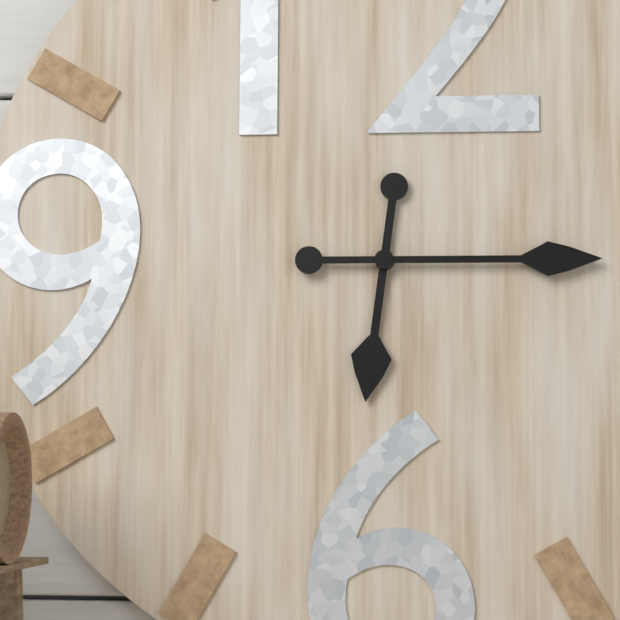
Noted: {"hour": 6, "minute": 15}
